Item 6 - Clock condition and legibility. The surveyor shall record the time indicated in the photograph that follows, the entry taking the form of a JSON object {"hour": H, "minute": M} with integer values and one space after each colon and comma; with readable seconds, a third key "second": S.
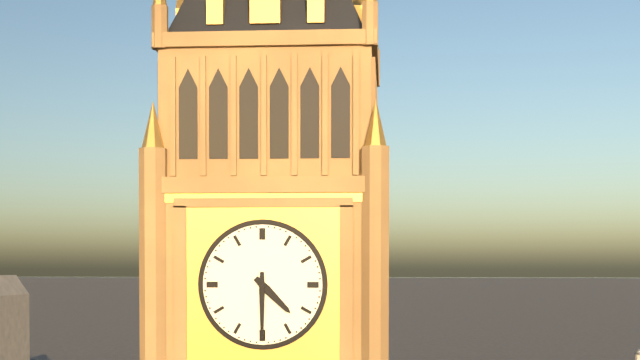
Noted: {"hour": 4, "minute": 30}
